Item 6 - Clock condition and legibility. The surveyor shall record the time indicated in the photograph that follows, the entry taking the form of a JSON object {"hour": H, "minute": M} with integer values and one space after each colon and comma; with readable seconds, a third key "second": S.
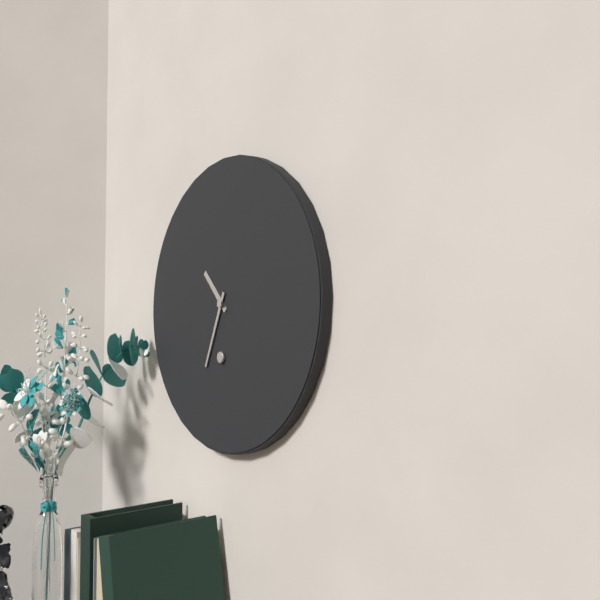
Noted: {"hour": 10, "minute": 34}
